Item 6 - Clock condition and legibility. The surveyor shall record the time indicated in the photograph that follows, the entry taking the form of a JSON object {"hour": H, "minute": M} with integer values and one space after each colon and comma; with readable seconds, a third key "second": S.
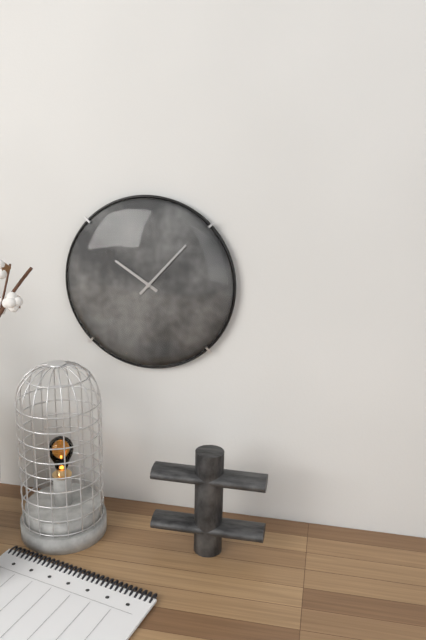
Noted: {"hour": 10, "minute": 7}
